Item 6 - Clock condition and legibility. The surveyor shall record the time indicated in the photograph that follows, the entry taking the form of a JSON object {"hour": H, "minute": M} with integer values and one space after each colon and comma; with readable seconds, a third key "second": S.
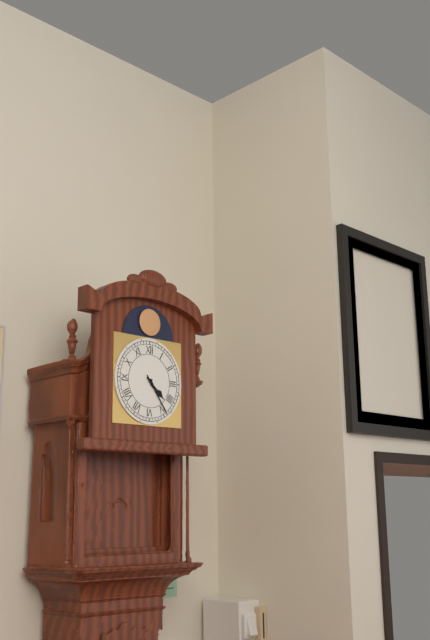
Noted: {"hour": 4, "minute": 24}
